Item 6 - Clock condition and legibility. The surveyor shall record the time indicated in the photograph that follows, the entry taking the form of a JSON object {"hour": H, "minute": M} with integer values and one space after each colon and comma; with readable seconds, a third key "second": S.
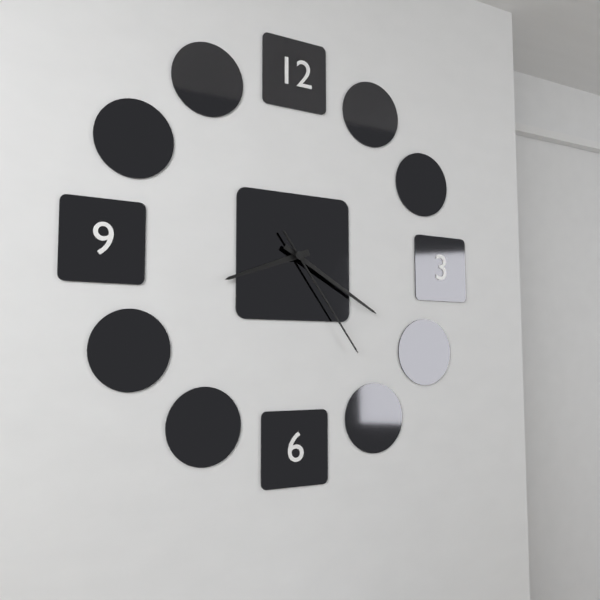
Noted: {"hour": 8, "minute": 20, "second": 24}
